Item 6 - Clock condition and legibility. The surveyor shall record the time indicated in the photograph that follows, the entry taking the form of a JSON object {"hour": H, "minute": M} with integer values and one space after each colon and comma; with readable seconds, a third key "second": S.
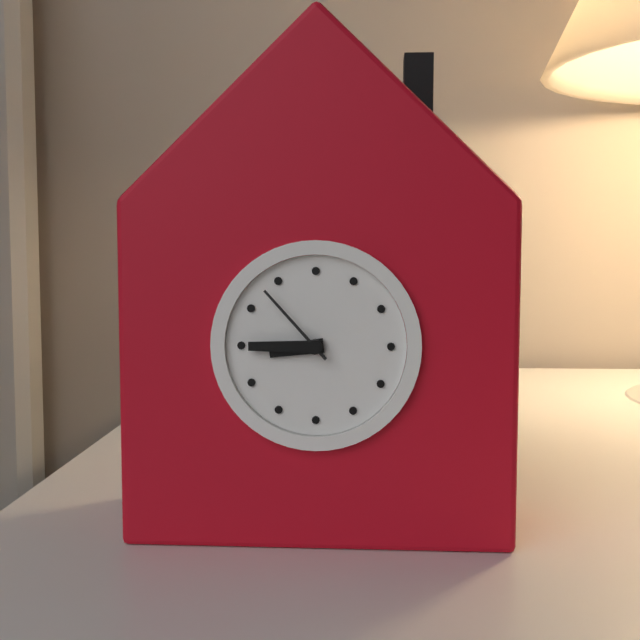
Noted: {"hour": 8, "minute": 45, "second": 53}
